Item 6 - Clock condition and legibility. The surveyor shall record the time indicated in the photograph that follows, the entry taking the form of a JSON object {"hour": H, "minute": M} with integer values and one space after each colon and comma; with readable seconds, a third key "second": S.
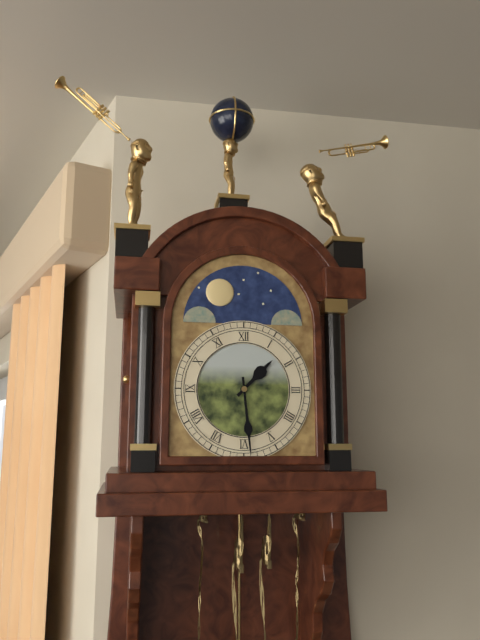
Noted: {"hour": 1, "minute": 29}
